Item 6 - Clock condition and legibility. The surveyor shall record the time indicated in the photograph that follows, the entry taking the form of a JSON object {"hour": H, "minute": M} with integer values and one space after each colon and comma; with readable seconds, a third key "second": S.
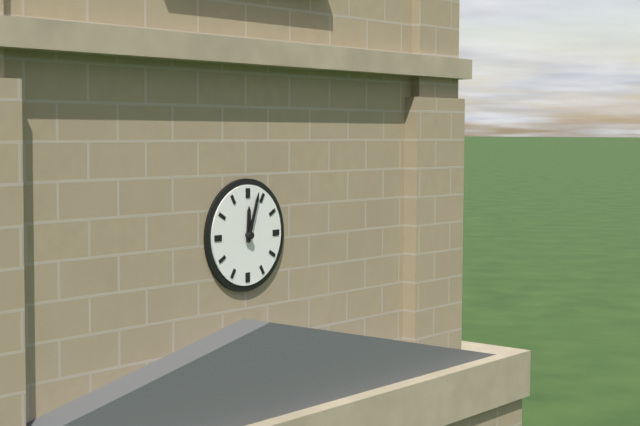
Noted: {"hour": 12, "minute": 3}
